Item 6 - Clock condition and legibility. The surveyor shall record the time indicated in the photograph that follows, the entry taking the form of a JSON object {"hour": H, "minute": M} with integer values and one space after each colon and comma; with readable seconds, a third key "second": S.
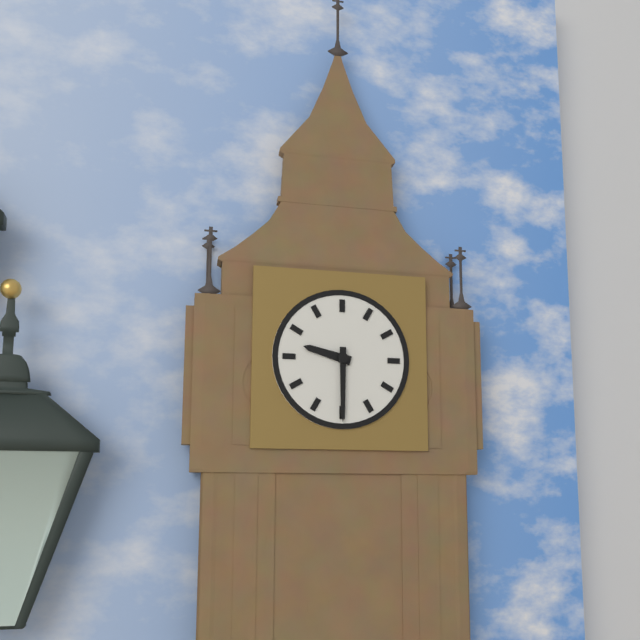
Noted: {"hour": 9, "minute": 30}
